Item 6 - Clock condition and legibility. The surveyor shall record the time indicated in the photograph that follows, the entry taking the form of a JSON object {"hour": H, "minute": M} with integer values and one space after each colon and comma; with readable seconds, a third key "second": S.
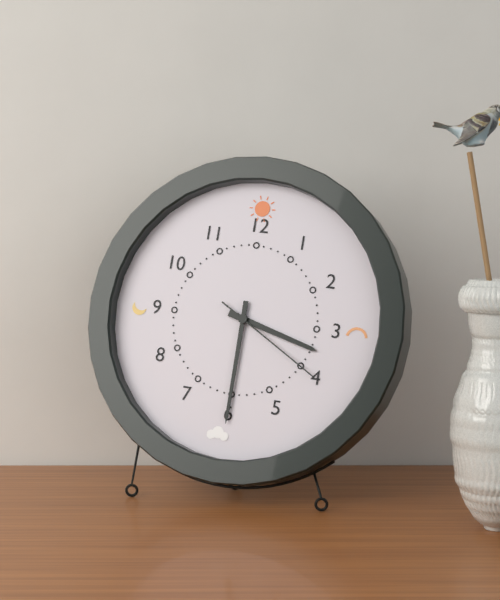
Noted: {"hour": 3, "minute": 30, "second": 20}
